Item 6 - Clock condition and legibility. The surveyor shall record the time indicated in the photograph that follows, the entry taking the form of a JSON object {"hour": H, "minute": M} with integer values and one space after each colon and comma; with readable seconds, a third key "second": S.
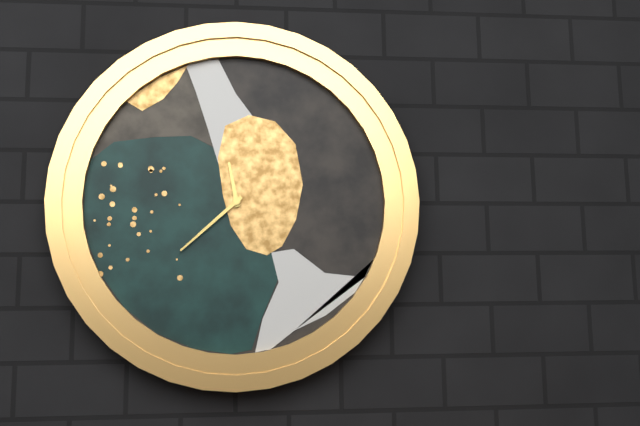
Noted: {"hour": 11, "minute": 38}
